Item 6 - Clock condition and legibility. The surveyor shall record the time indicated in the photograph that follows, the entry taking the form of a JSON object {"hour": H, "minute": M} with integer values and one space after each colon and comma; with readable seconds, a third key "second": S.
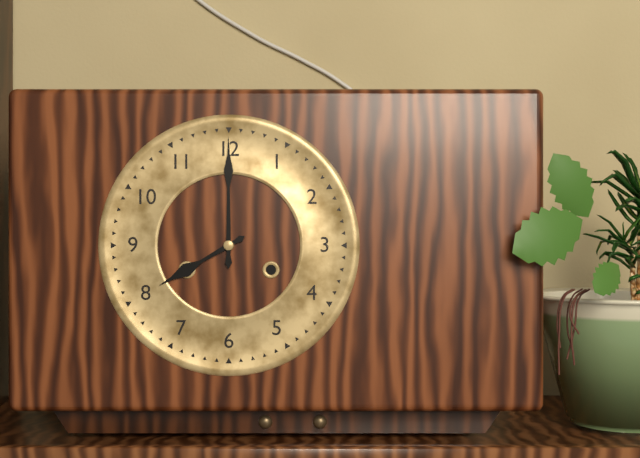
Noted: {"hour": 8, "minute": 0}
